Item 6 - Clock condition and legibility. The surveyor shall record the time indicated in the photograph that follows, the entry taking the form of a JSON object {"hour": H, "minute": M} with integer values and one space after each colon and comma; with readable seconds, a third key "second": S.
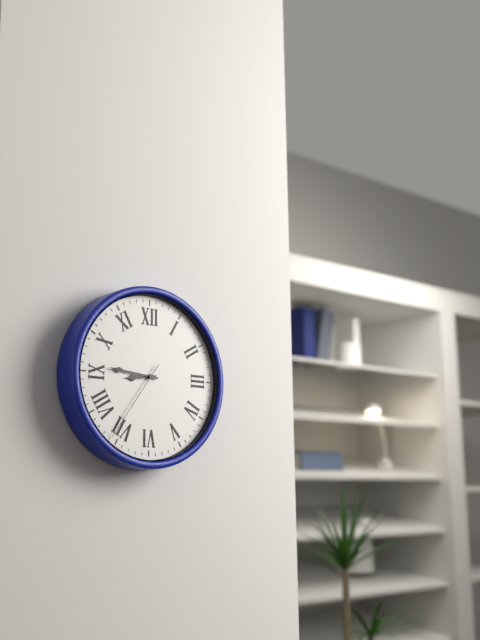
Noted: {"hour": 8, "minute": 46, "second": 36}
